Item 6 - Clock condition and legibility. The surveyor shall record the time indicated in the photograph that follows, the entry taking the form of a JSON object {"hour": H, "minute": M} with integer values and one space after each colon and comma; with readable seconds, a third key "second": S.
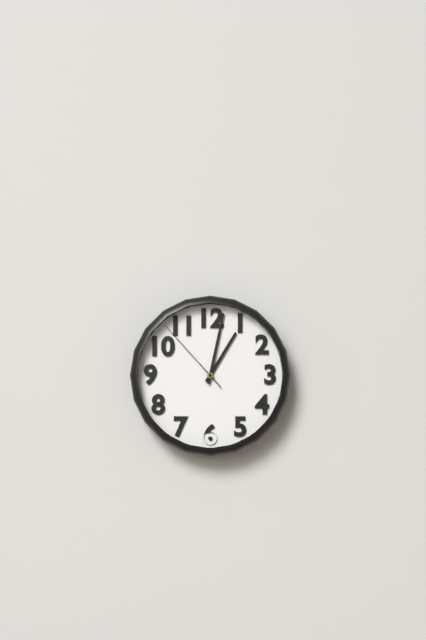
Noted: {"hour": 1, "minute": 2, "second": 53}
